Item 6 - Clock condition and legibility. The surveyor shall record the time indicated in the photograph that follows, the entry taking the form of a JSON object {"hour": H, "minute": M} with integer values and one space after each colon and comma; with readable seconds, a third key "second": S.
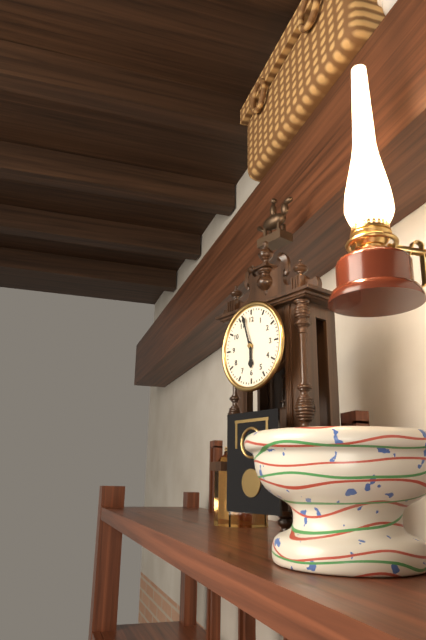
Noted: {"hour": 5, "minute": 57}
